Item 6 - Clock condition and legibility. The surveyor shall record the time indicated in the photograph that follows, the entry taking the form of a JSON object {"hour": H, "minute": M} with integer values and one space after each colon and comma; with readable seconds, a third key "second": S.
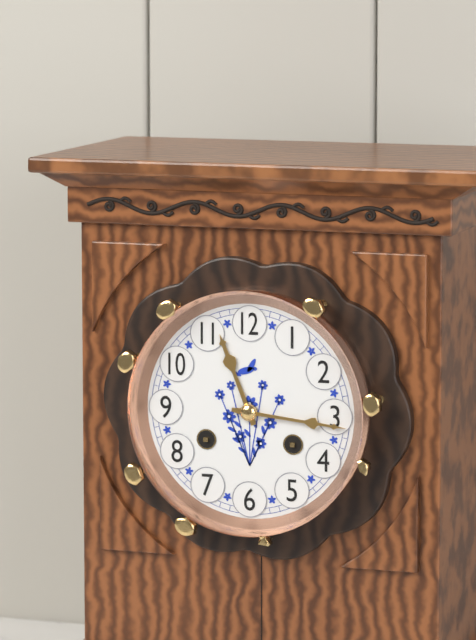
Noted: {"hour": 11, "minute": 16}
